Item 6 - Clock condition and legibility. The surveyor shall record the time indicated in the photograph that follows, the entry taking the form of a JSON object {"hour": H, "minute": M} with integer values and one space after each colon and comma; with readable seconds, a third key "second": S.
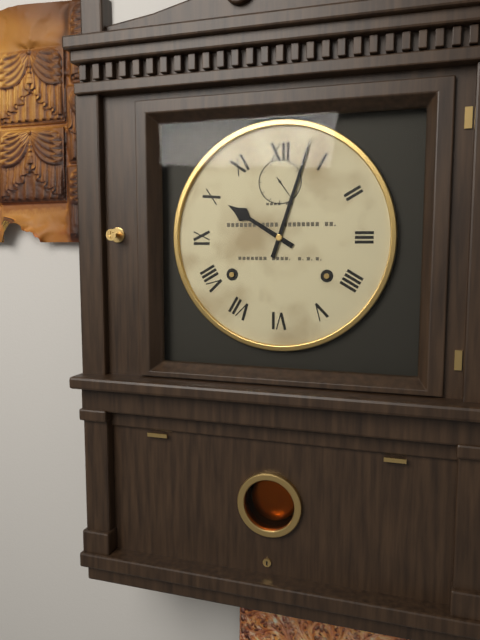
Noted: {"hour": 10, "minute": 3}
